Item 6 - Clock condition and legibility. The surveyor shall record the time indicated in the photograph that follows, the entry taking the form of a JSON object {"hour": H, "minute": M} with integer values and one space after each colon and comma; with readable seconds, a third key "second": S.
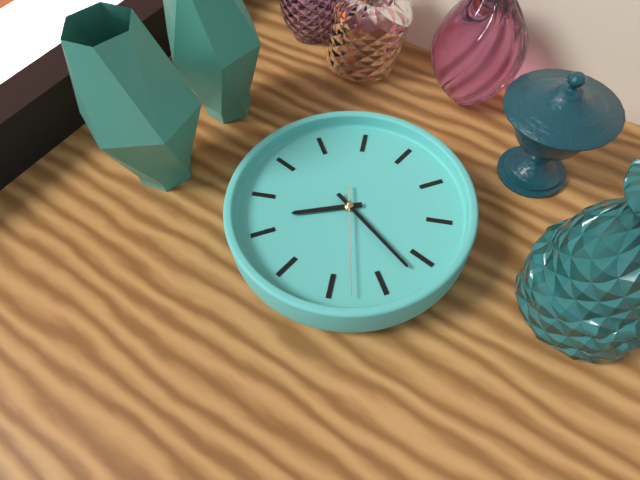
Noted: {"hour": 8, "minute": 22, "second": 28}
